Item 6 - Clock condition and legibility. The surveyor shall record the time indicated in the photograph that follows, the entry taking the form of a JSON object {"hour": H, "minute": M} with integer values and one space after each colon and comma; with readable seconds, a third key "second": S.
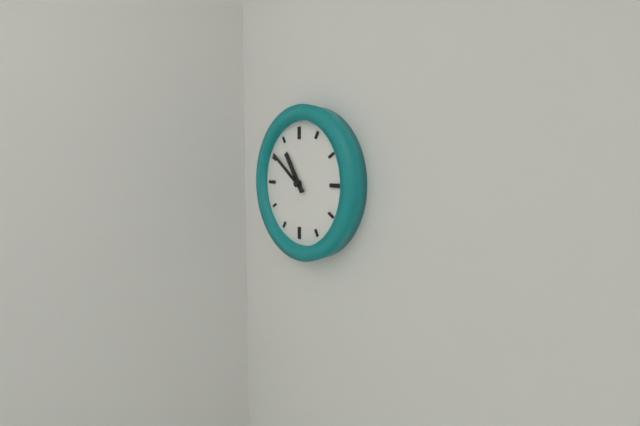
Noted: {"hour": 10, "minute": 51}
